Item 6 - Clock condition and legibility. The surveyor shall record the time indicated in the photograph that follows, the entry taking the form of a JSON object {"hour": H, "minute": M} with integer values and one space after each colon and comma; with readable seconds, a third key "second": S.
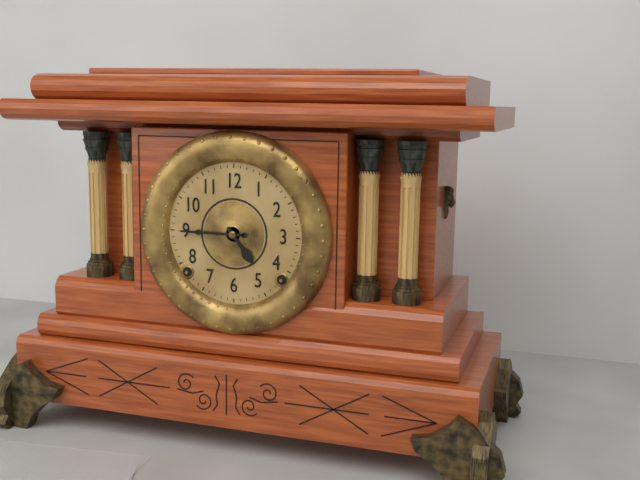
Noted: {"hour": 4, "minute": 45}
